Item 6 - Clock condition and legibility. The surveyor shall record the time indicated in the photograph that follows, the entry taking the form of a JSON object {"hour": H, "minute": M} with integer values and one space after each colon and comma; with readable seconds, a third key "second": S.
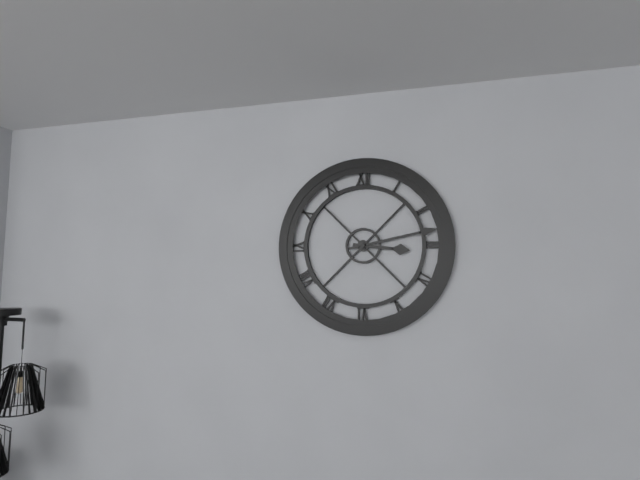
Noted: {"hour": 3, "minute": 13}
